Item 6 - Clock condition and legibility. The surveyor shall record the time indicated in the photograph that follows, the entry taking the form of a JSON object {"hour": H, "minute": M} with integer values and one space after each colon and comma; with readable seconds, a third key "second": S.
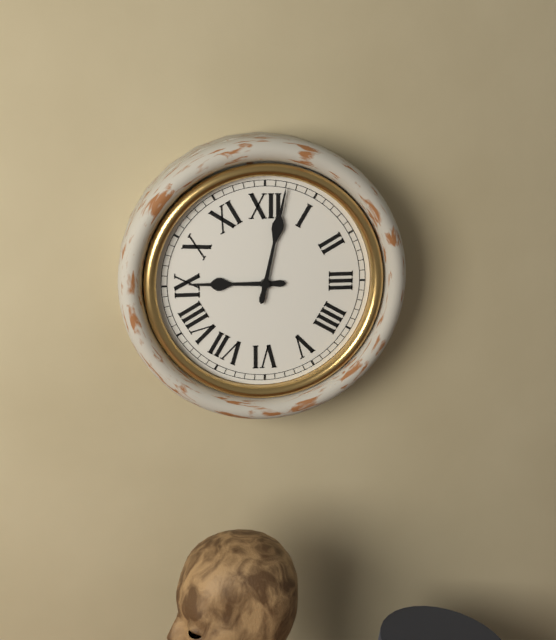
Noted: {"hour": 9, "minute": 2}
